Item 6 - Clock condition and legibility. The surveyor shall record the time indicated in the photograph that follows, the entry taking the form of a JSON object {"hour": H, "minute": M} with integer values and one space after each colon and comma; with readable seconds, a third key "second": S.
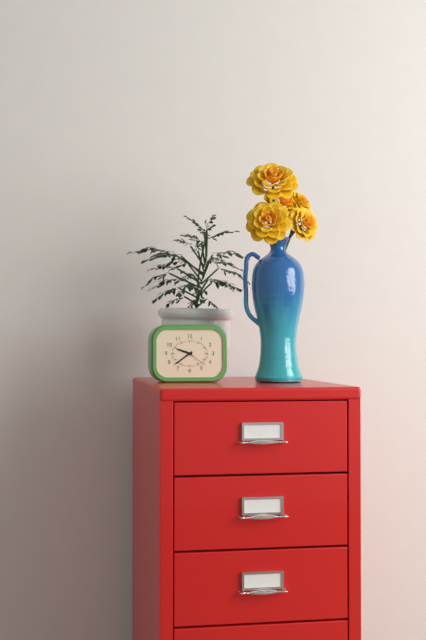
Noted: {"hour": 9, "minute": 39}
